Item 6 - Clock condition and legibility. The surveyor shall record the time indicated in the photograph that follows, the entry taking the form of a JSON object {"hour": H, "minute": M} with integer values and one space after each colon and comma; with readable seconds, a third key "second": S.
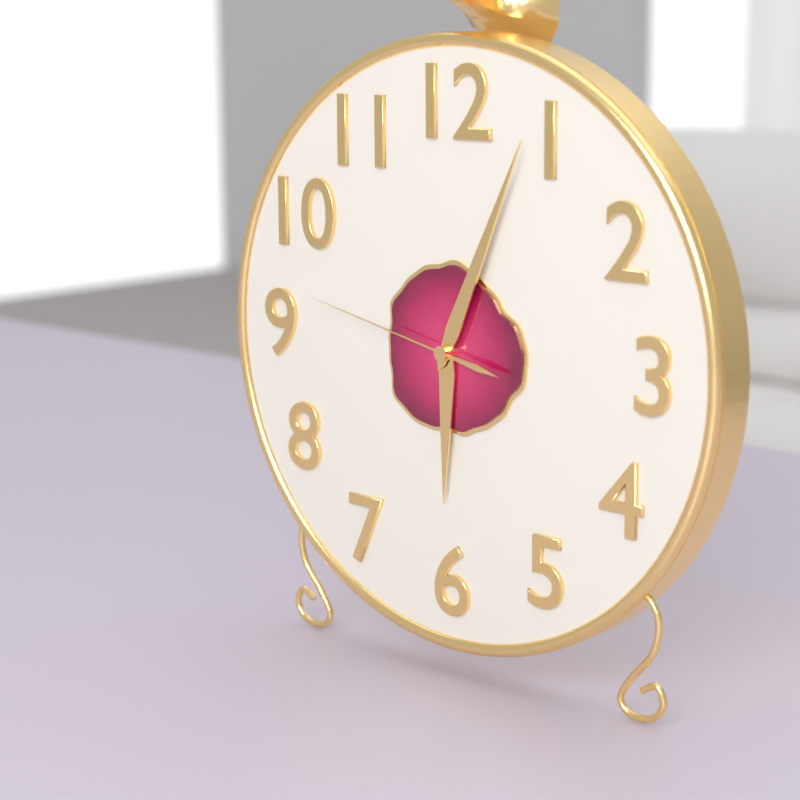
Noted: {"hour": 6, "minute": 4, "second": 47}
